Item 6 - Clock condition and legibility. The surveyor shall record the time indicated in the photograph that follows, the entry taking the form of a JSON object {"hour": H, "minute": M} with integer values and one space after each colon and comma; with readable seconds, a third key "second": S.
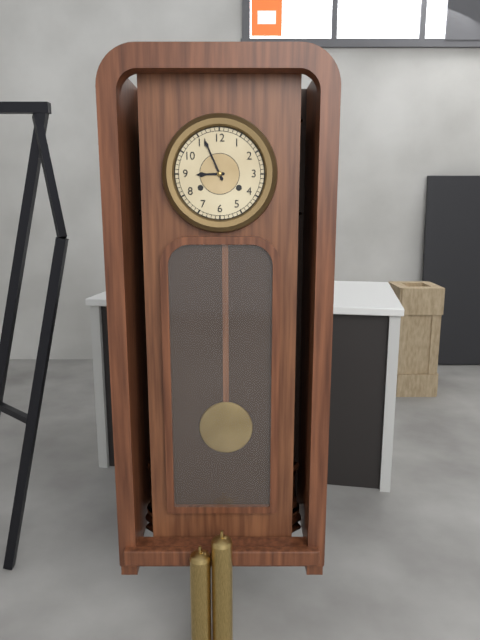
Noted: {"hour": 8, "minute": 56}
